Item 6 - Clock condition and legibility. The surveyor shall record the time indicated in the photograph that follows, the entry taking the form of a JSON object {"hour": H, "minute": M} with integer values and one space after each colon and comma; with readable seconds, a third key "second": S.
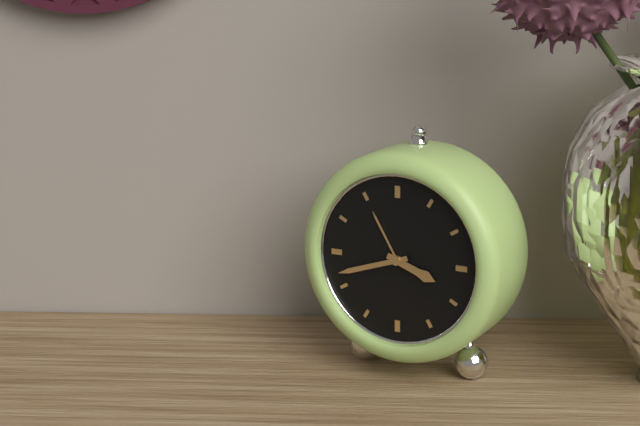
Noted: {"hour": 3, "minute": 42}
